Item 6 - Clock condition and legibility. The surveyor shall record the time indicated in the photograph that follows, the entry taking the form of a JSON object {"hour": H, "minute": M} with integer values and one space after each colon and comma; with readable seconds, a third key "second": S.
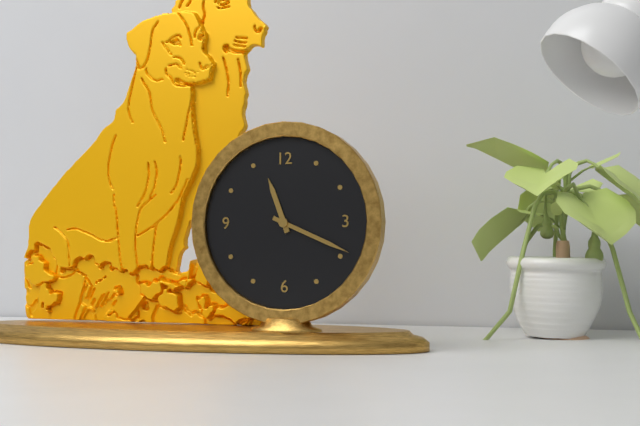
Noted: {"hour": 11, "minute": 19}
